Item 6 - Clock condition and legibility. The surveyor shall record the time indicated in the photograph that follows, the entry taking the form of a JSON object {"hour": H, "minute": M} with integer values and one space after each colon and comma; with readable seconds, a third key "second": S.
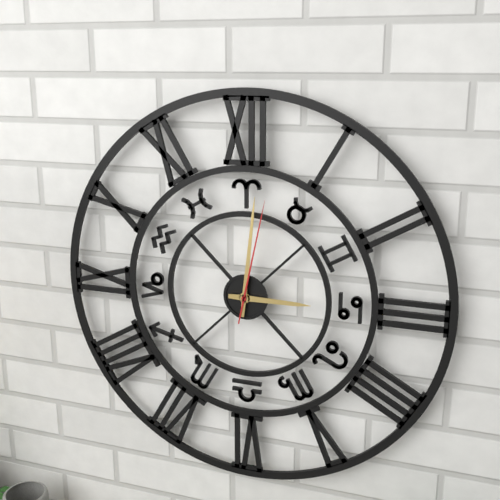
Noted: {"hour": 3, "minute": 1, "second": 2}
